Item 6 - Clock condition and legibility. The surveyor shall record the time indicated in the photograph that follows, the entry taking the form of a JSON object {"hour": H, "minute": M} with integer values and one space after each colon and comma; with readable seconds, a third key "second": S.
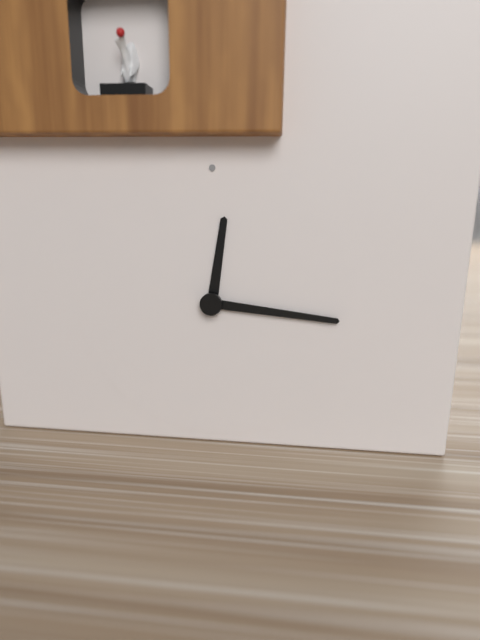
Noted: {"hour": 12, "minute": 16}
